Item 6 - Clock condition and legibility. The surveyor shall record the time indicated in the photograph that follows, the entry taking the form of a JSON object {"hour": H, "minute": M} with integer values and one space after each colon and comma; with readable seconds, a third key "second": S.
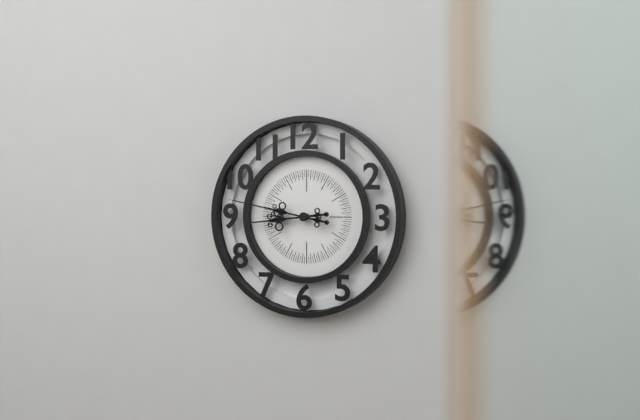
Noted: {"hour": 8, "minute": 47}
